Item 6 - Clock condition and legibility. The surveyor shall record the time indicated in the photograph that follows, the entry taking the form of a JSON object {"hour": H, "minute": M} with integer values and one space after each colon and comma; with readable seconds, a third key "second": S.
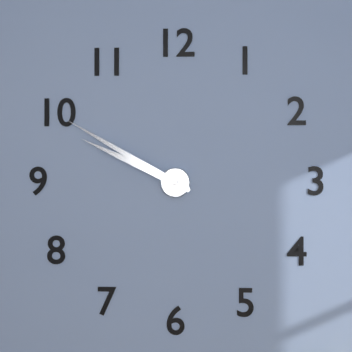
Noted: {"hour": 9, "minute": 50}
